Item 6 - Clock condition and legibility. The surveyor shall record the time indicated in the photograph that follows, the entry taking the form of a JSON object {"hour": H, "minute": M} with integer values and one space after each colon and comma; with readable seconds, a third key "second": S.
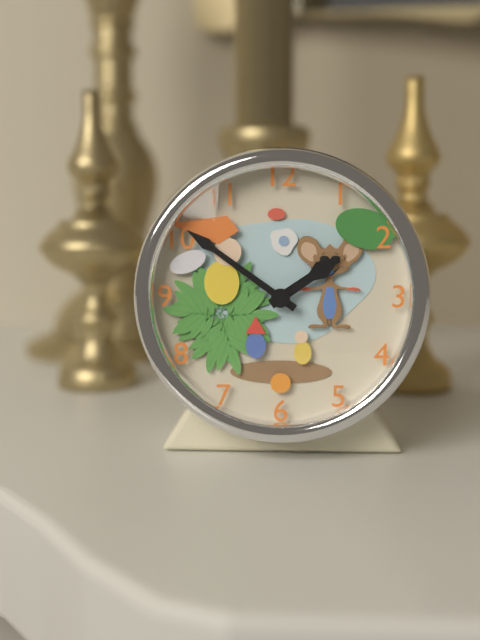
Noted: {"hour": 1, "minute": 51}
